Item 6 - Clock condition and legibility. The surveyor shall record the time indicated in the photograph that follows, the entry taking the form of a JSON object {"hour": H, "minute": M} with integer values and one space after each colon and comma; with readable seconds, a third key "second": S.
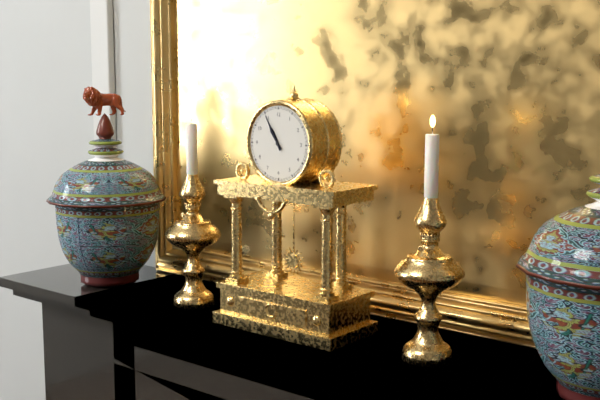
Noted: {"hour": 10, "minute": 55}
